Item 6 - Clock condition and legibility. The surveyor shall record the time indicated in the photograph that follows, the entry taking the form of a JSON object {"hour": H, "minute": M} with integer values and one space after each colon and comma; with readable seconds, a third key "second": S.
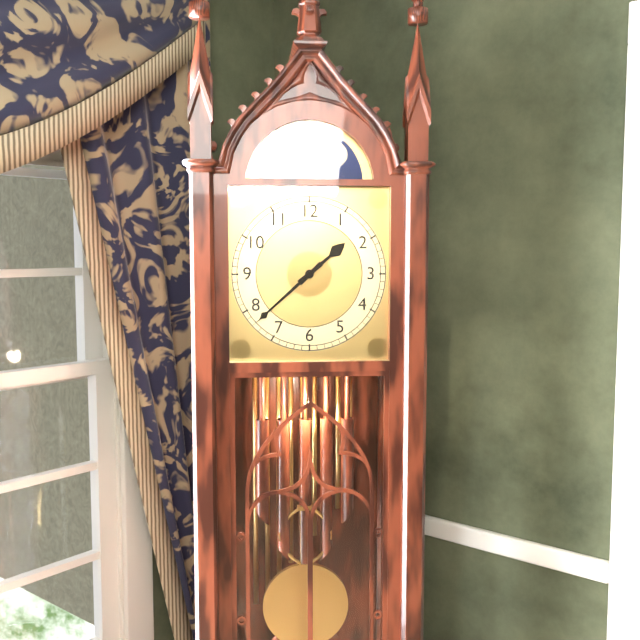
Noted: {"hour": 1, "minute": 38}
